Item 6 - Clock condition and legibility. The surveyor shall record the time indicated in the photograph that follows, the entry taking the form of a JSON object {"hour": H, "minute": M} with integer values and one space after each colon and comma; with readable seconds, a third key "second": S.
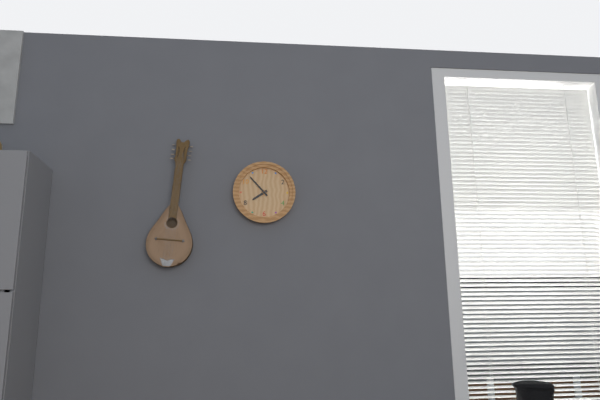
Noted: {"hour": 7, "minute": 53}
